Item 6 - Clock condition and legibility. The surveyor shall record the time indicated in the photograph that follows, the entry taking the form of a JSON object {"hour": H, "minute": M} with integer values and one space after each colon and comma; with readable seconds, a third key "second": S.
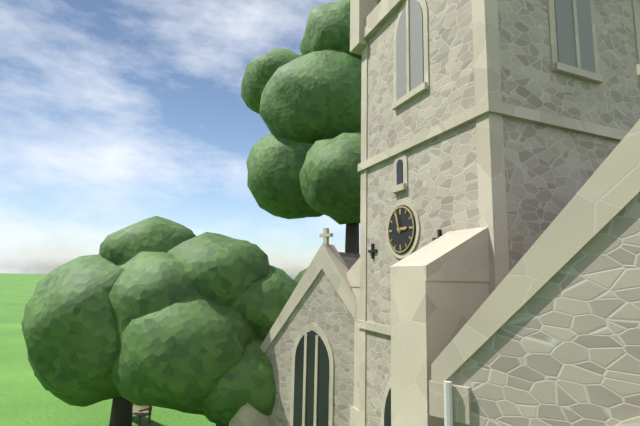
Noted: {"hour": 2, "minute": 57}
